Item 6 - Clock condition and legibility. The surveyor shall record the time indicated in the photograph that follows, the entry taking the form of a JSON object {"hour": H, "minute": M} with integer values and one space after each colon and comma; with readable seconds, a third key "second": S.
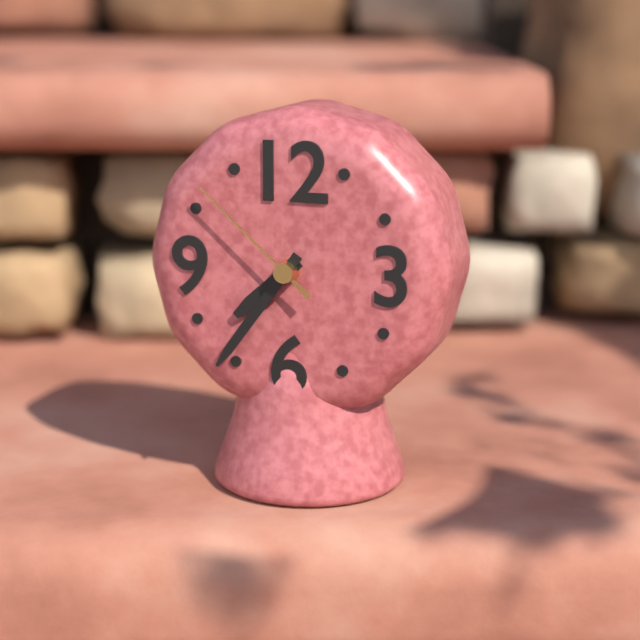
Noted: {"hour": 7, "minute": 36, "second": 52}
